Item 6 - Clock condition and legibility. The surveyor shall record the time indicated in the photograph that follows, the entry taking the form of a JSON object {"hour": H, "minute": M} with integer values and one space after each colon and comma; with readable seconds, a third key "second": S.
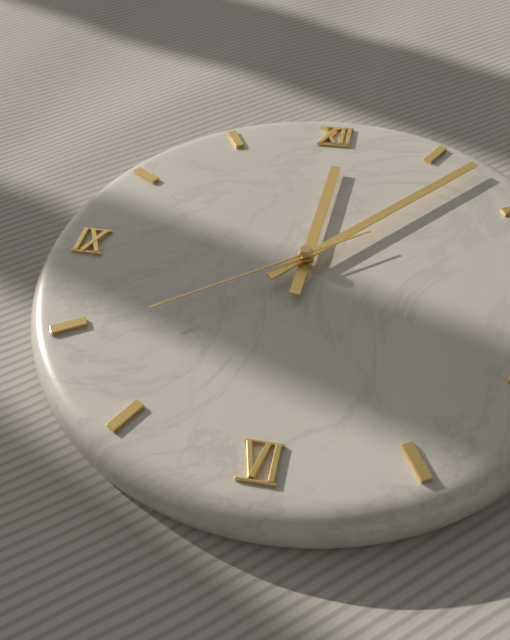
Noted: {"hour": 12, "minute": 7, "second": 39}
